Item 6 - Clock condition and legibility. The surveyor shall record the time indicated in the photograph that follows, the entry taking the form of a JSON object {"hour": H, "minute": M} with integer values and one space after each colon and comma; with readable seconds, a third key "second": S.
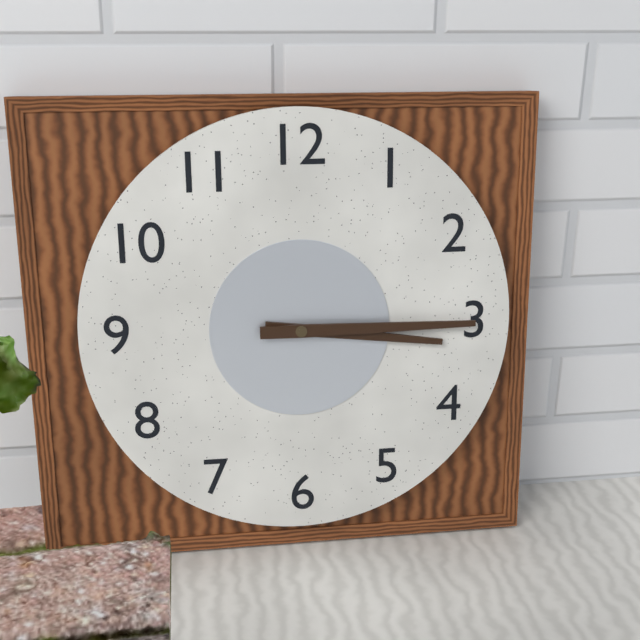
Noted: {"hour": 3, "minute": 15}
